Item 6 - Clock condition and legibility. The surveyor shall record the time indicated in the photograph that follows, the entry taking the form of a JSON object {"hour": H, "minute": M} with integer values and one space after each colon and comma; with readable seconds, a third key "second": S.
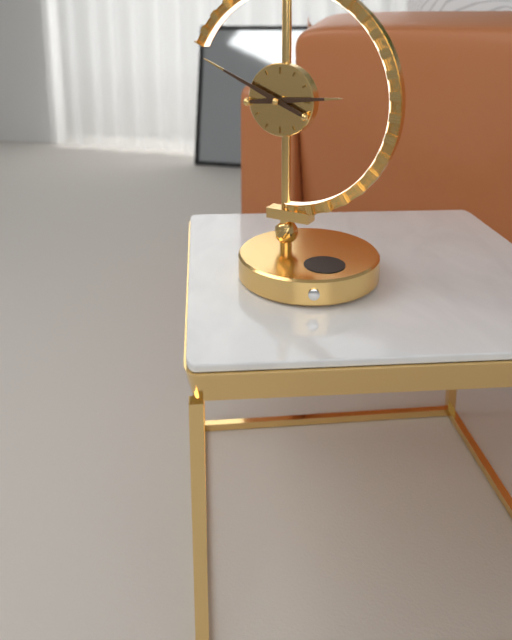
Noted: {"hour": 2, "minute": 49}
